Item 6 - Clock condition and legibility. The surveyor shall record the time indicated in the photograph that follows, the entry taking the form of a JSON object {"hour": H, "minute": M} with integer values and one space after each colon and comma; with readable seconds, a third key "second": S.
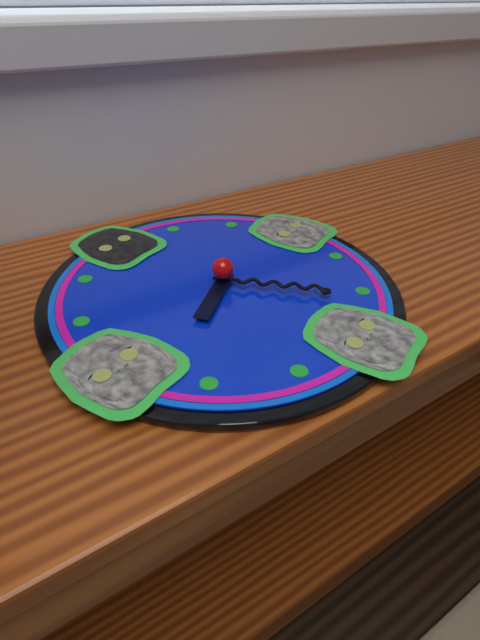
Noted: {"hour": 8, "minute": 26}
